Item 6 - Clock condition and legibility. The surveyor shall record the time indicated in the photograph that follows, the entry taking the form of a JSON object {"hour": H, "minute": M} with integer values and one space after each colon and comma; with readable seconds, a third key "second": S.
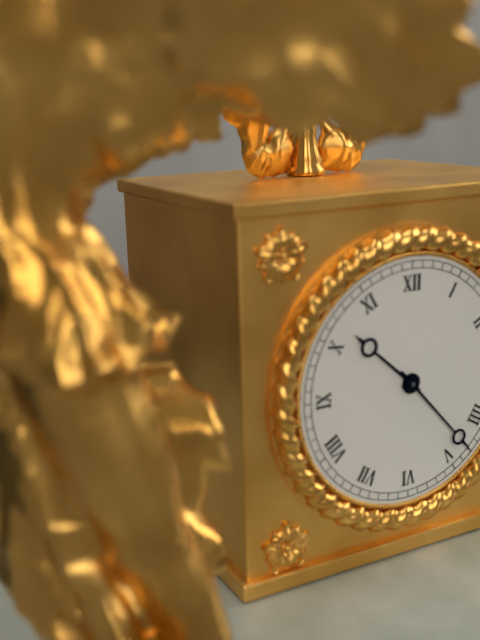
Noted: {"hour": 10, "minute": 23}
